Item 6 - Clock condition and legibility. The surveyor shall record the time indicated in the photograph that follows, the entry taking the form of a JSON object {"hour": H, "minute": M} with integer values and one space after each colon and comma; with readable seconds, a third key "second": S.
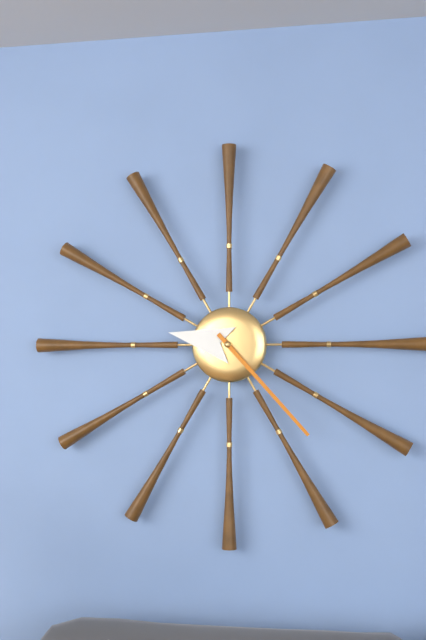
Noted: {"hour": 9, "minute": 23}
